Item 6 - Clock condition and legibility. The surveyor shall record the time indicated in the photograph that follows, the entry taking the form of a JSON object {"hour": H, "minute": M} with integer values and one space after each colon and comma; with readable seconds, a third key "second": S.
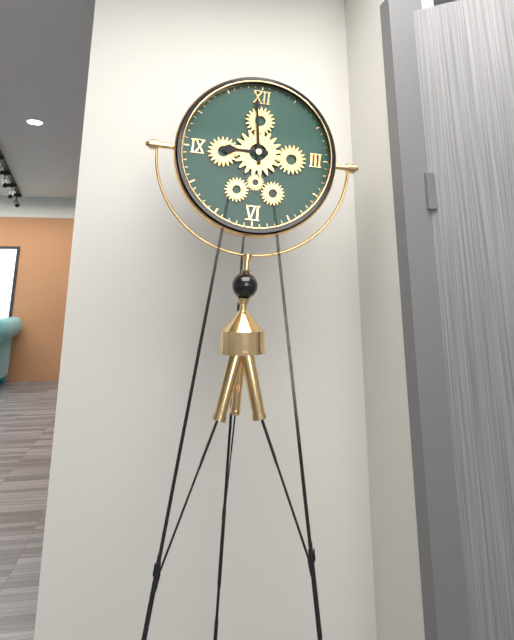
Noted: {"hour": 8, "minute": 59}
